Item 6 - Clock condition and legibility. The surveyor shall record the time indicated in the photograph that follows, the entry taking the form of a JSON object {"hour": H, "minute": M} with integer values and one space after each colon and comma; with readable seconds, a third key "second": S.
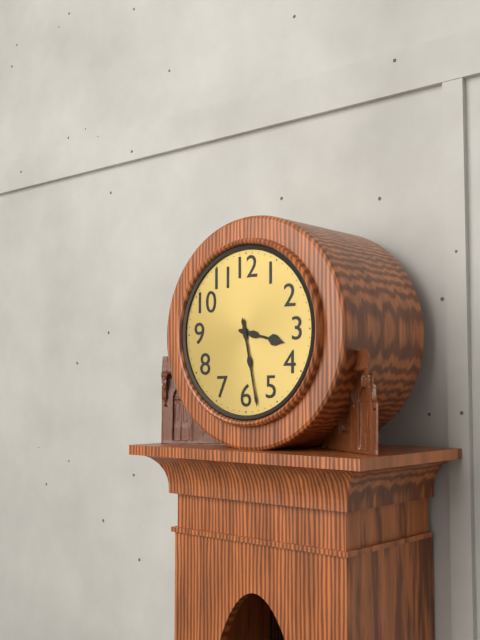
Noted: {"hour": 3, "minute": 28}
